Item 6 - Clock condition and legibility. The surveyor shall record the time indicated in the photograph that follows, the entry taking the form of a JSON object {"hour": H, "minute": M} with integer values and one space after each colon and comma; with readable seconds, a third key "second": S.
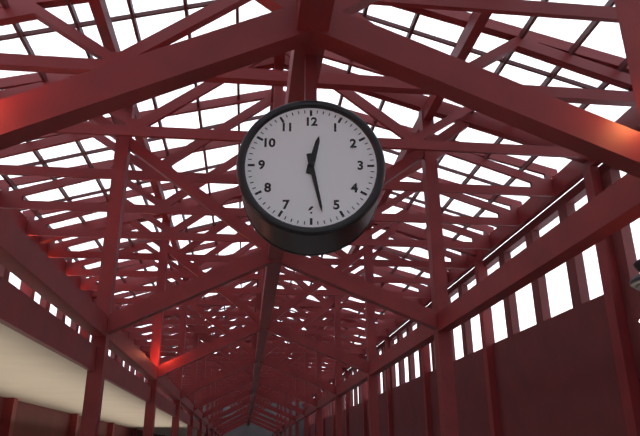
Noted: {"hour": 12, "minute": 28}
